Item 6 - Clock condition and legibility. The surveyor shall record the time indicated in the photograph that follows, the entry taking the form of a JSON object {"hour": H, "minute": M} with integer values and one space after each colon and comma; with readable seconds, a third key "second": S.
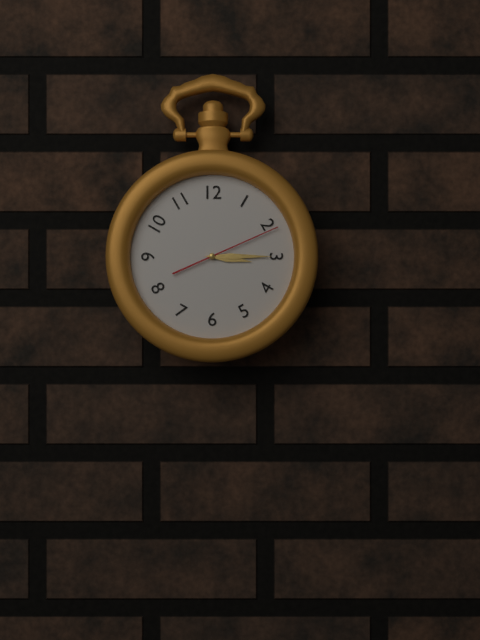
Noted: {"hour": 3, "minute": 15, "second": 11}
